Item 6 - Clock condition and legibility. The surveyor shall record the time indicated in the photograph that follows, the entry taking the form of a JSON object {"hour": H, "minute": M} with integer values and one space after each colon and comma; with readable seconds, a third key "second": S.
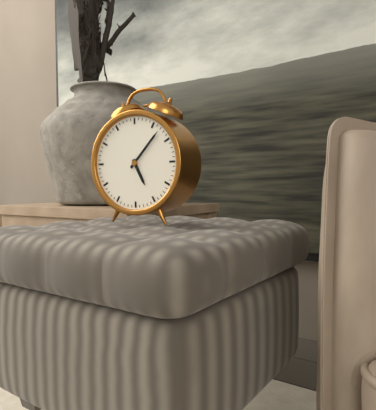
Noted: {"hour": 5, "minute": 7}
